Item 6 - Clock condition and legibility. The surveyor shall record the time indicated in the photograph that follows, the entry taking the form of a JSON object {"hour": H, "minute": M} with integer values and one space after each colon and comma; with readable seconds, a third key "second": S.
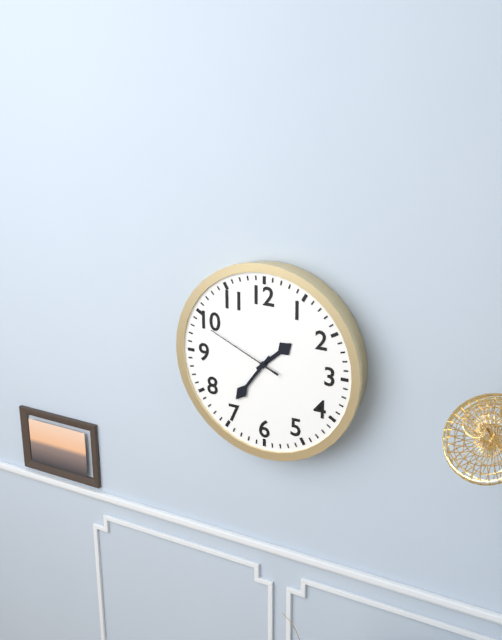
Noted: {"hour": 1, "minute": 36, "second": 49}
